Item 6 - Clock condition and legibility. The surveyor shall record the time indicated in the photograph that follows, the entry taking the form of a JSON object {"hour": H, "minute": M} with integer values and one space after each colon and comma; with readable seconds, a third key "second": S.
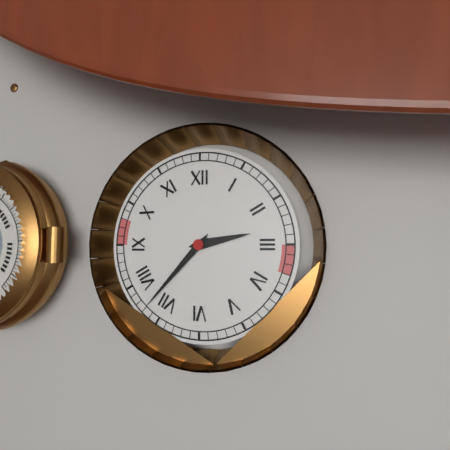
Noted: {"hour": 2, "minute": 37}
